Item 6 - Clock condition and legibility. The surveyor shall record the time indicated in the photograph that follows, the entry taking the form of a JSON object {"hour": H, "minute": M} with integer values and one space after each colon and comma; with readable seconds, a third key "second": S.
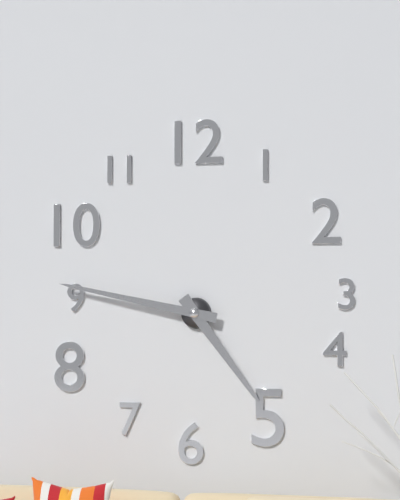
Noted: {"hour": 4, "minute": 47}
